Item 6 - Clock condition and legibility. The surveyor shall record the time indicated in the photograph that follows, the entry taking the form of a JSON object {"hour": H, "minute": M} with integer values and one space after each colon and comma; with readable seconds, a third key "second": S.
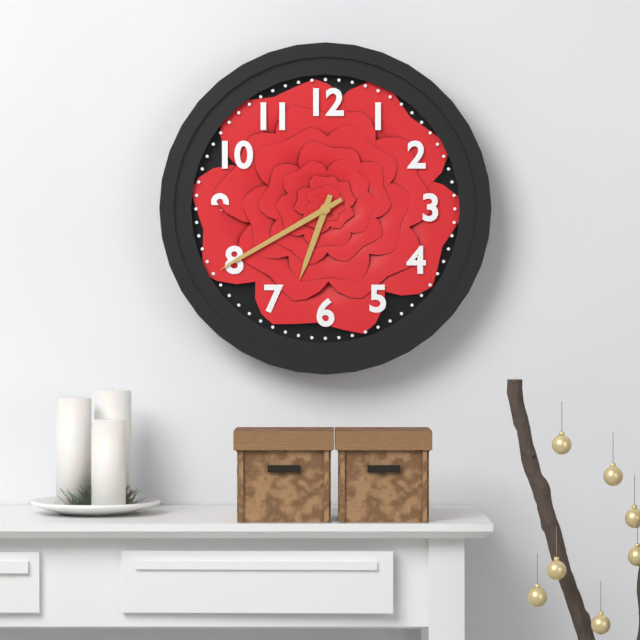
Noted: {"hour": 6, "minute": 40}
